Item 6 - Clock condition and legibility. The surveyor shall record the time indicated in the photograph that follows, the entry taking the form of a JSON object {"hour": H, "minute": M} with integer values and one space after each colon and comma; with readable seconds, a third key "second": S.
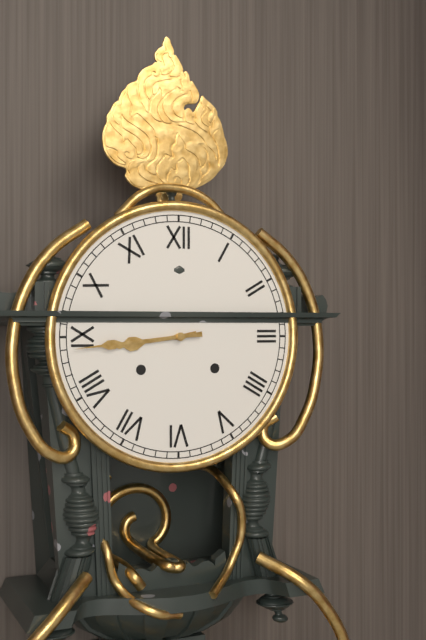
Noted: {"hour": 8, "minute": 44}
